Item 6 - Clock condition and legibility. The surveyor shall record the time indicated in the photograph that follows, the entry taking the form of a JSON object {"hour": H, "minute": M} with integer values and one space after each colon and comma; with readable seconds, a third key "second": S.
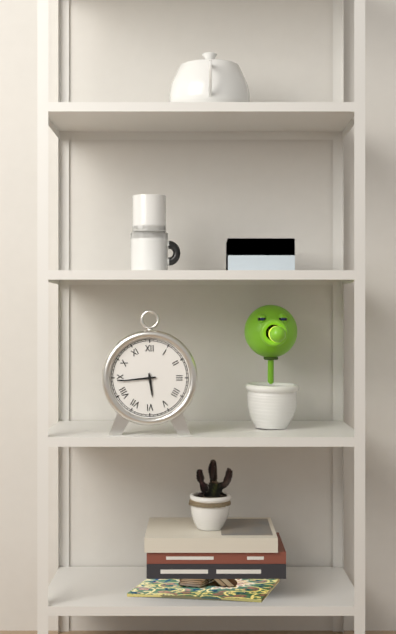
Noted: {"hour": 5, "minute": 44}
